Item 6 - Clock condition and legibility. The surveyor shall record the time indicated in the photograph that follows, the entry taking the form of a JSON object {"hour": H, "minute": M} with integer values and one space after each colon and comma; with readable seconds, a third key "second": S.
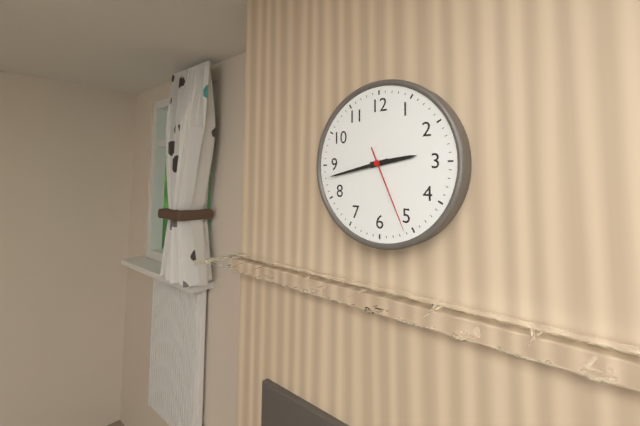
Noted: {"hour": 2, "minute": 43, "second": 26}
